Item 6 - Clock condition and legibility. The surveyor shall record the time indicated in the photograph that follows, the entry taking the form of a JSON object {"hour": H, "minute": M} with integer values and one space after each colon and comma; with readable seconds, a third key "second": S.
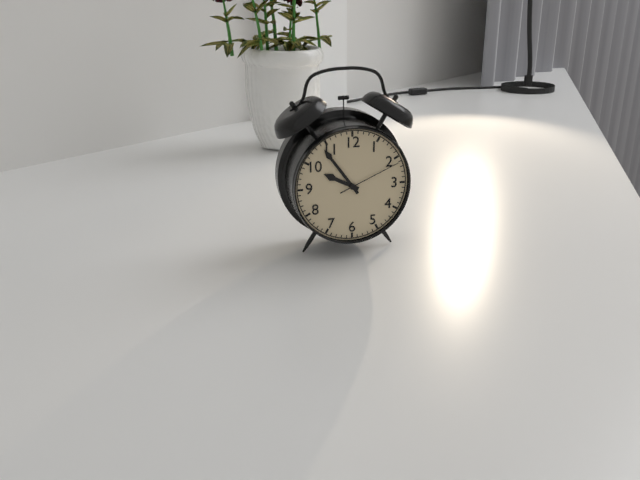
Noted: {"hour": 9, "minute": 54, "second": 11}
